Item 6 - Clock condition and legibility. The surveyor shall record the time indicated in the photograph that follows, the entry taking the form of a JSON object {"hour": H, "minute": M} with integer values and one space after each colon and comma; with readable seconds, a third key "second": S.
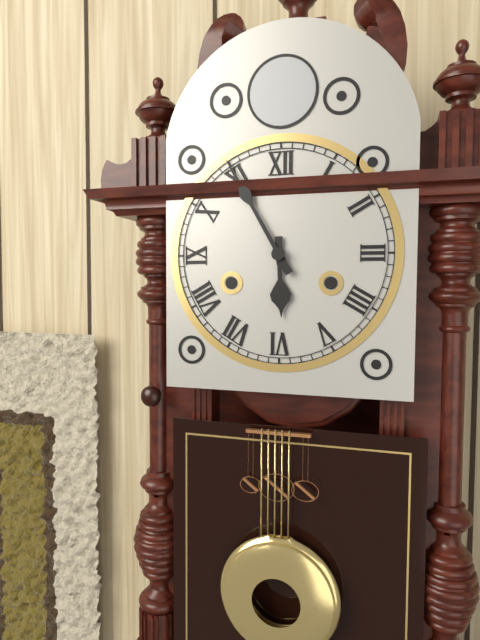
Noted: {"hour": 5, "minute": 55}
